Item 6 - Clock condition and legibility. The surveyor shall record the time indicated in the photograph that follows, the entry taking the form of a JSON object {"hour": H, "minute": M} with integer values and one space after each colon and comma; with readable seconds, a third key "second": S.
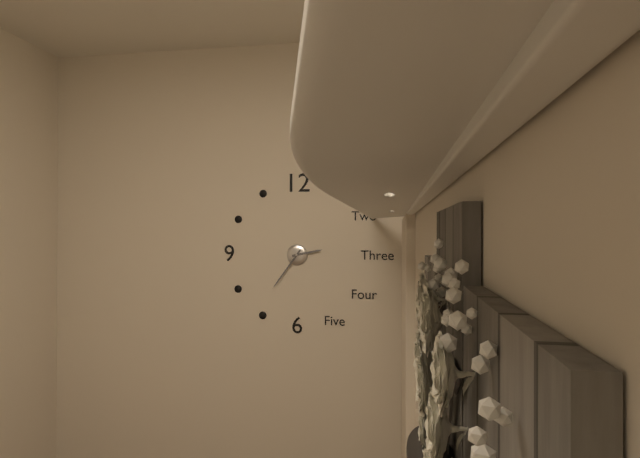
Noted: {"hour": 2, "minute": 36}
